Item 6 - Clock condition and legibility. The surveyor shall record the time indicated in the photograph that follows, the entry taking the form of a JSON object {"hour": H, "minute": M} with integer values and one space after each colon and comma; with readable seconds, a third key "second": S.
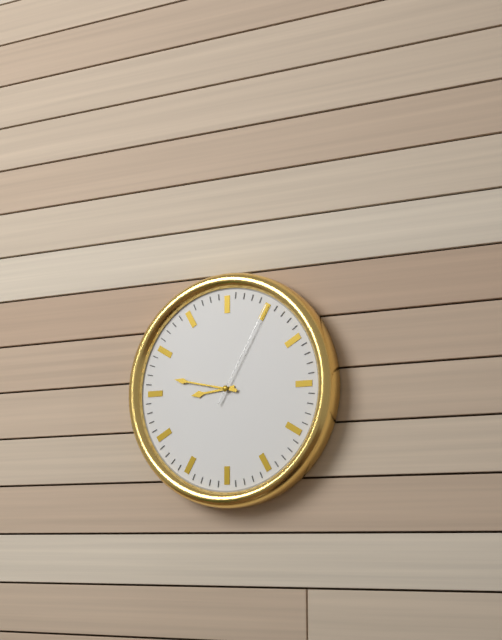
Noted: {"hour": 8, "minute": 47, "second": 5}
